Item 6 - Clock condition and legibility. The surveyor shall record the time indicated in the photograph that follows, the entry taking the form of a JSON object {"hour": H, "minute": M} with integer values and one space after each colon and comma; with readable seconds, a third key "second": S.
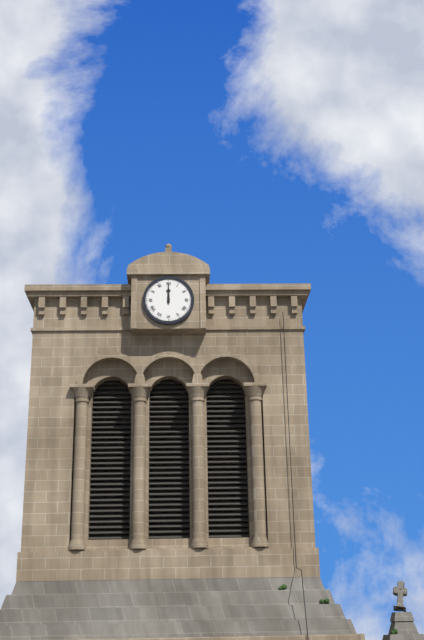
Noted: {"hour": 12, "minute": 0}
